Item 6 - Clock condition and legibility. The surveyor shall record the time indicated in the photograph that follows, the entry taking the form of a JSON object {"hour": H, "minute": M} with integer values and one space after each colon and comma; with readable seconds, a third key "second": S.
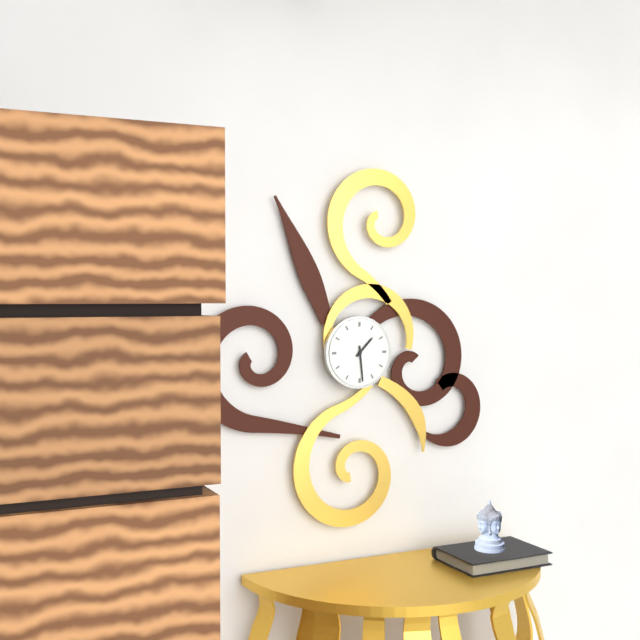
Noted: {"hour": 1, "minute": 29}
